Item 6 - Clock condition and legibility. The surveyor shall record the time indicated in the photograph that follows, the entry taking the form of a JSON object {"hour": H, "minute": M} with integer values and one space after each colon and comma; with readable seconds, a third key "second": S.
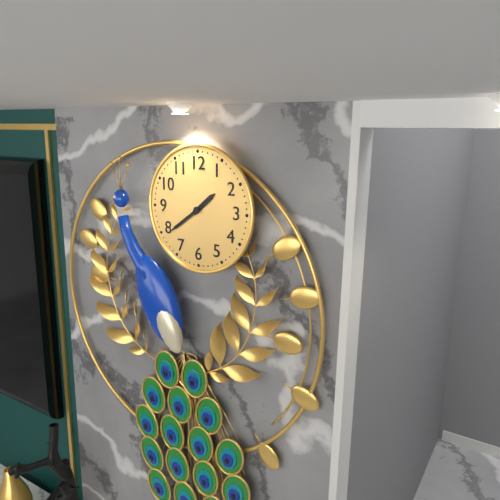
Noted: {"hour": 1, "minute": 39}
